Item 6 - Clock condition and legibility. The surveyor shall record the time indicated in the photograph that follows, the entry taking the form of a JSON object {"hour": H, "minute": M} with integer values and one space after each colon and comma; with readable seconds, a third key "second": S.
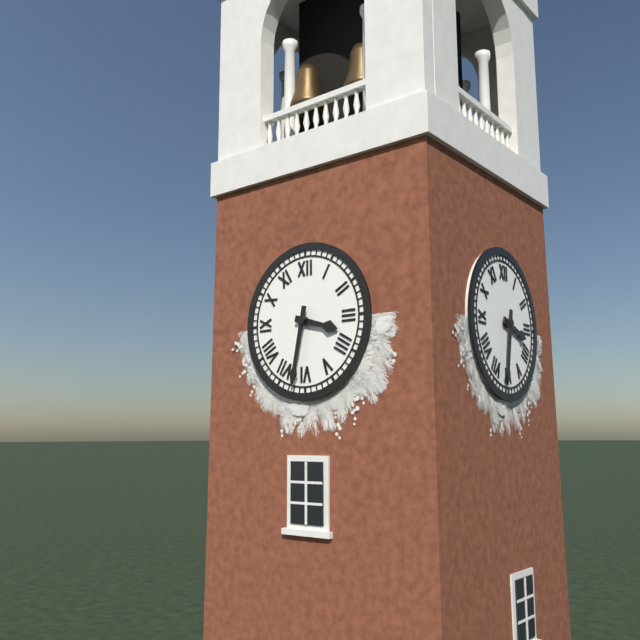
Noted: {"hour": 3, "minute": 32}
